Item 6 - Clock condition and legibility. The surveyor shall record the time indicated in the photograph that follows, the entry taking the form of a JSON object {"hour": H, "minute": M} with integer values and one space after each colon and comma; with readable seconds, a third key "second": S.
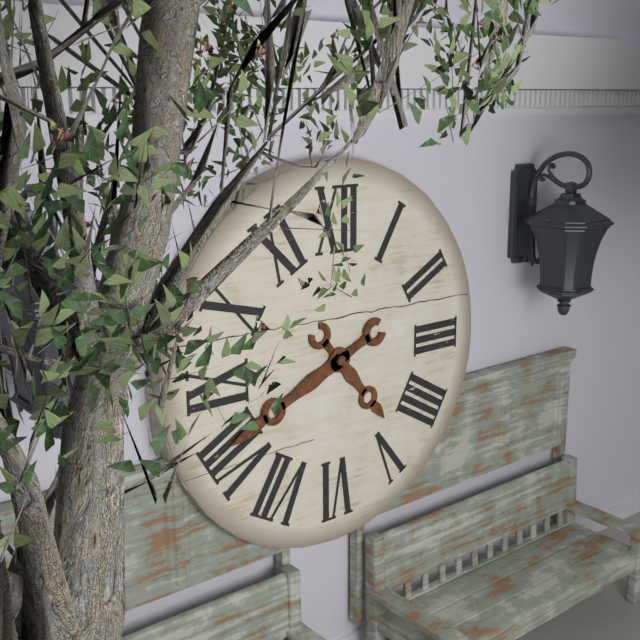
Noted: {"hour": 4, "minute": 41}
